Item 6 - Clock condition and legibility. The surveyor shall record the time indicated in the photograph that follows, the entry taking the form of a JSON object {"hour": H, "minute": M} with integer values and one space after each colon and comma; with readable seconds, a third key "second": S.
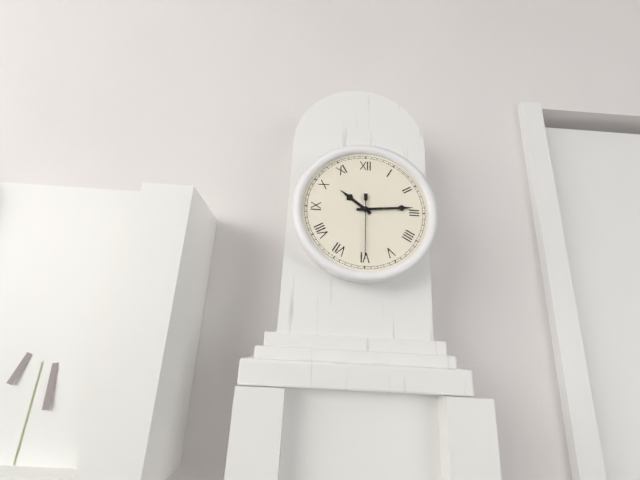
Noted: {"hour": 10, "minute": 14, "second": 30}
